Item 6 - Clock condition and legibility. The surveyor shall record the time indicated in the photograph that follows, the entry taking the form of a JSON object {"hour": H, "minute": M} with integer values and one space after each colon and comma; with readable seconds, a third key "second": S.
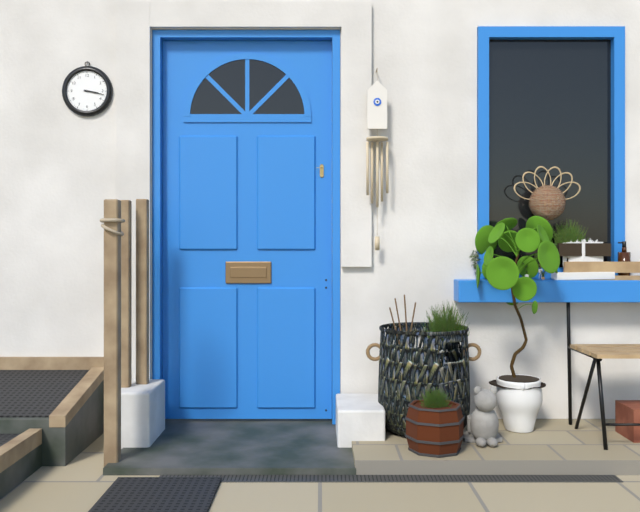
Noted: {"hour": 3, "minute": 17}
